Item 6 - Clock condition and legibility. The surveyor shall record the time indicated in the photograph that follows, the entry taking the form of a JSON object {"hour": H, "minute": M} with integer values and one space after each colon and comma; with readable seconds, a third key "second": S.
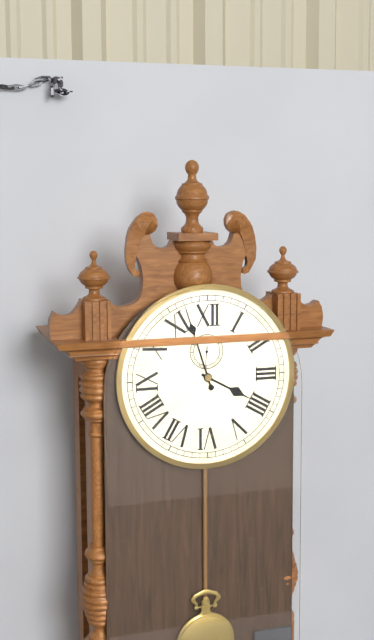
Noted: {"hour": 3, "minute": 57}
